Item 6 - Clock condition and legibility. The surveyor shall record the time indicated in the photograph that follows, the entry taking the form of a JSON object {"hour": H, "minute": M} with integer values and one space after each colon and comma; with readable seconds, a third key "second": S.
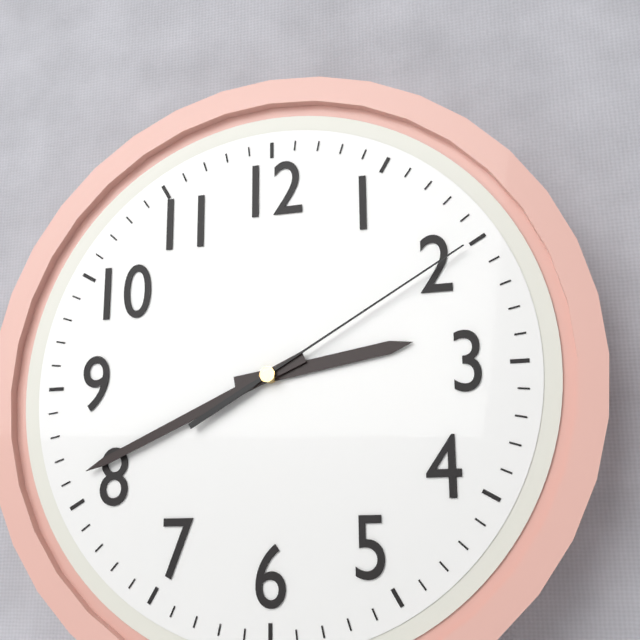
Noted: {"hour": 2, "minute": 41, "second": 10}
